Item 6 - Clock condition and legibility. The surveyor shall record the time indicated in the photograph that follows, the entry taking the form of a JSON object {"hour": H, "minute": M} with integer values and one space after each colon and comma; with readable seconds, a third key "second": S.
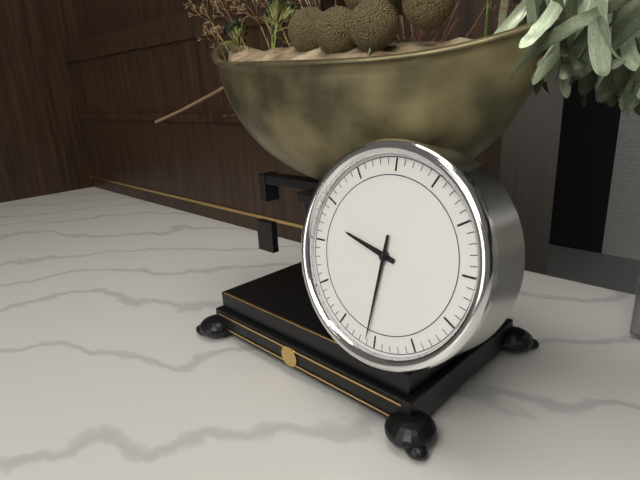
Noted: {"hour": 9, "minute": 31}
